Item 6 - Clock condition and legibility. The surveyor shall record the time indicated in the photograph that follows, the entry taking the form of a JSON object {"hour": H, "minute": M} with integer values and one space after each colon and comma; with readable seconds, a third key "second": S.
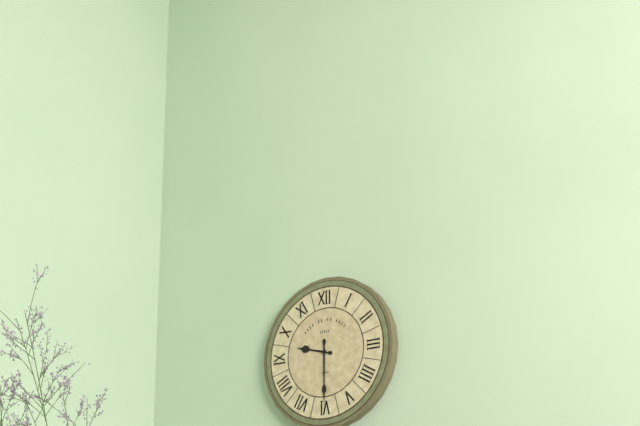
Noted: {"hour": 9, "minute": 30}
